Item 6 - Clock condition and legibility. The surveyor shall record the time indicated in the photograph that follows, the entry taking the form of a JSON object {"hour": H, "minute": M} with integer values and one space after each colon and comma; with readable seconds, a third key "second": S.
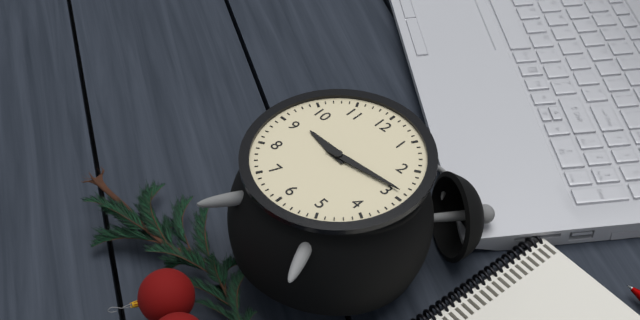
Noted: {"hour": 9, "minute": 14}
